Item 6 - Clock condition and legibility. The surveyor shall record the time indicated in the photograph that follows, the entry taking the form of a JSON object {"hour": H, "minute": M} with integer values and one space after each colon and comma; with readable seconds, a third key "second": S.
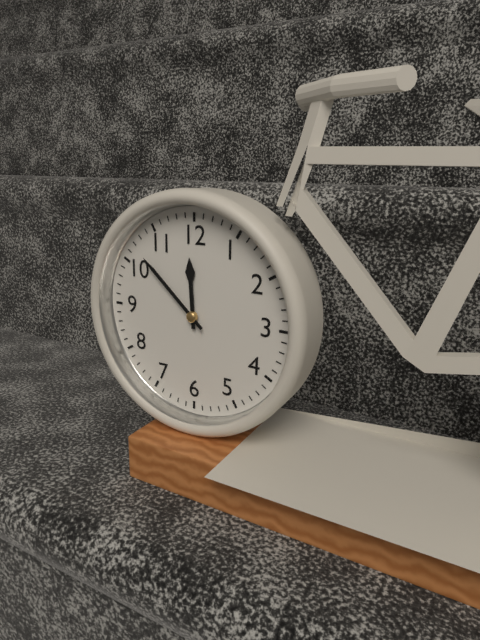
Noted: {"hour": 11, "minute": 52}
